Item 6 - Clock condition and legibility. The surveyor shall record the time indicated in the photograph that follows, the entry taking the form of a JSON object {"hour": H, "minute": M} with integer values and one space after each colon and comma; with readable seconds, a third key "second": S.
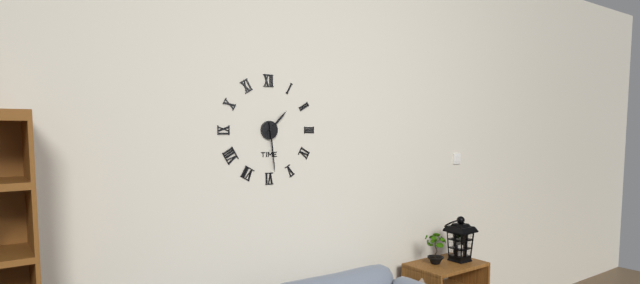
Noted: {"hour": 1, "minute": 29}
